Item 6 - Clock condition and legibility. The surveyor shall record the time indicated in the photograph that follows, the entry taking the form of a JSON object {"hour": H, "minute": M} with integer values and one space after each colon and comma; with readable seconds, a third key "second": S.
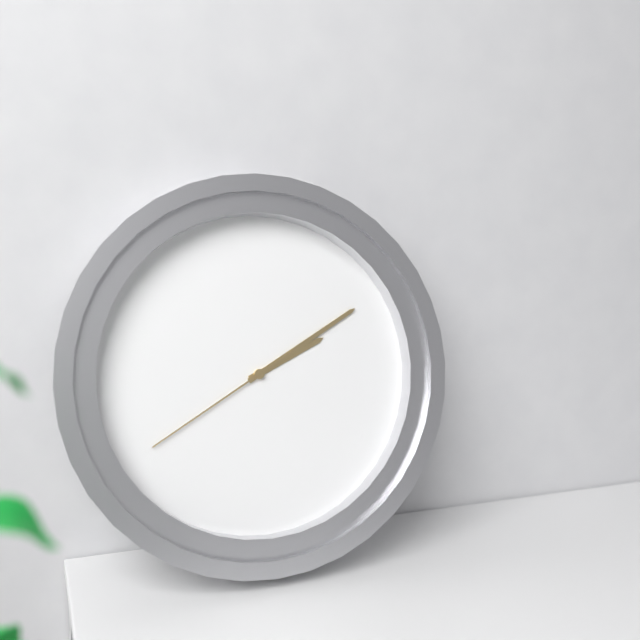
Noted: {"hour": 2, "minute": 10, "second": 40}
